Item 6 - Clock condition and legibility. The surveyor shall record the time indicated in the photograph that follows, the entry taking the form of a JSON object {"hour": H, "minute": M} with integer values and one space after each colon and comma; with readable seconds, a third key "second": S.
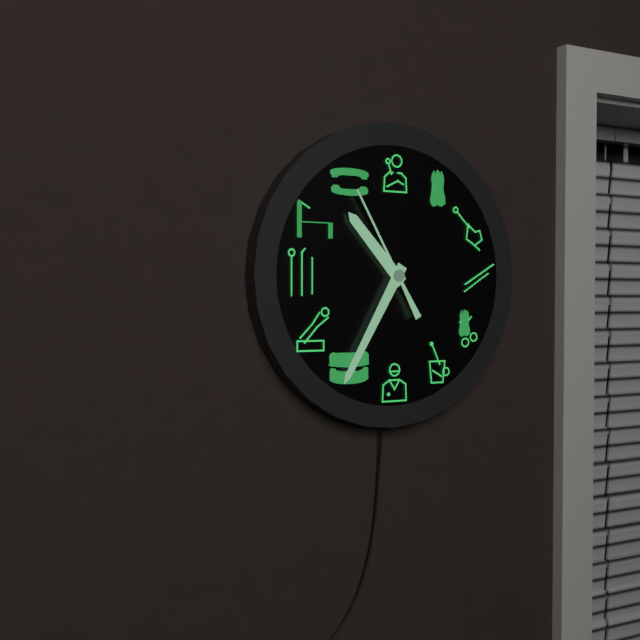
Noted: {"hour": 10, "minute": 35, "second": 55}
